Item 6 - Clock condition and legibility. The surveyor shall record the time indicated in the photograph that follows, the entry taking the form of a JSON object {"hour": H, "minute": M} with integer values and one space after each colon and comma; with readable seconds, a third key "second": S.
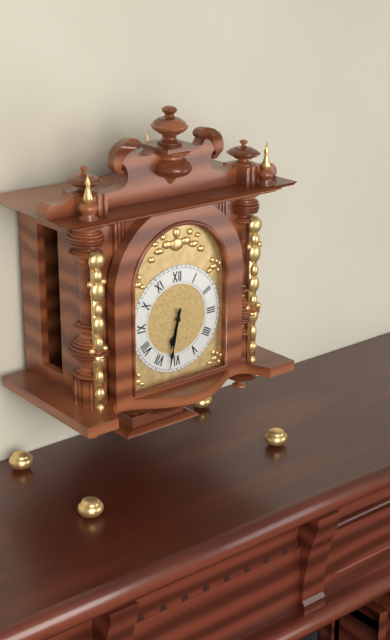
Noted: {"hour": 6, "minute": 32}
